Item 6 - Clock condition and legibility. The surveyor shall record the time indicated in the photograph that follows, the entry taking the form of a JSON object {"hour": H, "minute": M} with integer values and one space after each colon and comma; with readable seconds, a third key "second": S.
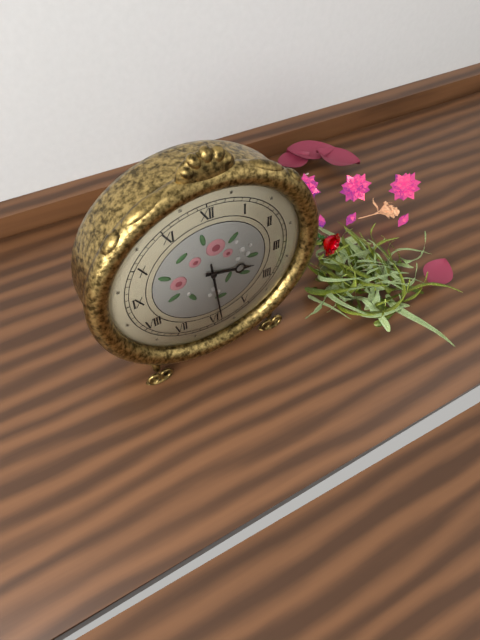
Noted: {"hour": 3, "minute": 29}
